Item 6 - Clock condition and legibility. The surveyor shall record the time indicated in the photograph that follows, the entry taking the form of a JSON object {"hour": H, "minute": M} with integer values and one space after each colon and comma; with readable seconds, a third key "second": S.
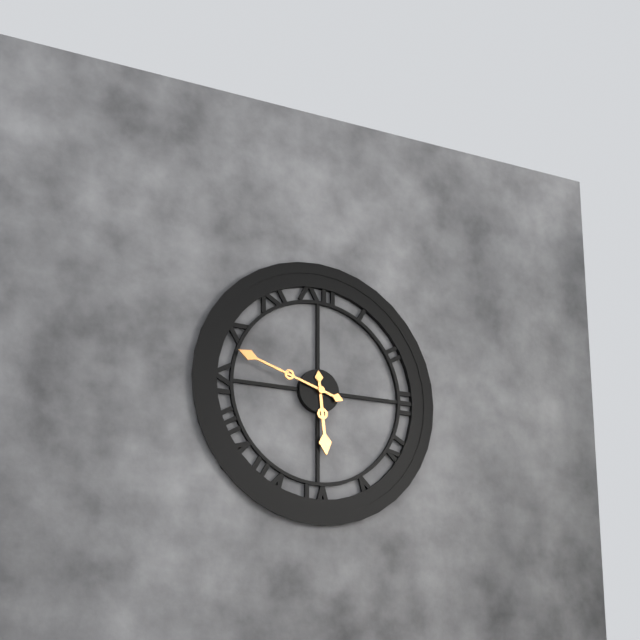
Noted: {"hour": 5, "minute": 48}
